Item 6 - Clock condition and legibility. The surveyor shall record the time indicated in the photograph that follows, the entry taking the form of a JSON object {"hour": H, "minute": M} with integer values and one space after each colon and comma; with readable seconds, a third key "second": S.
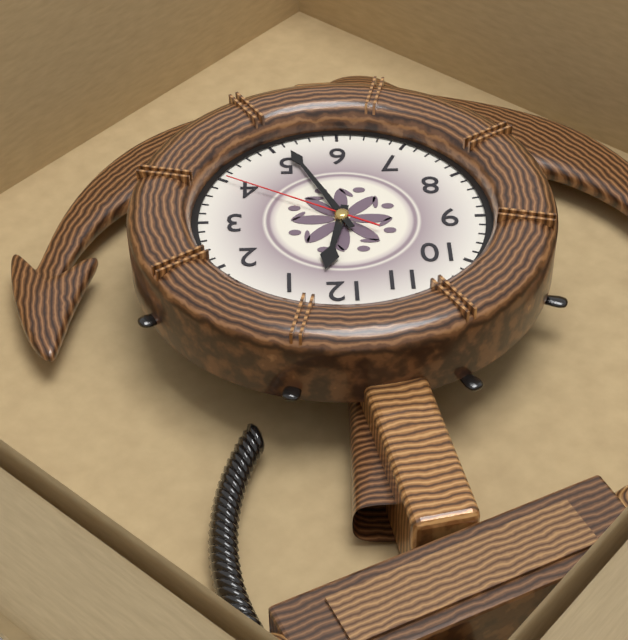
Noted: {"hour": 12, "minute": 26, "second": 20}
